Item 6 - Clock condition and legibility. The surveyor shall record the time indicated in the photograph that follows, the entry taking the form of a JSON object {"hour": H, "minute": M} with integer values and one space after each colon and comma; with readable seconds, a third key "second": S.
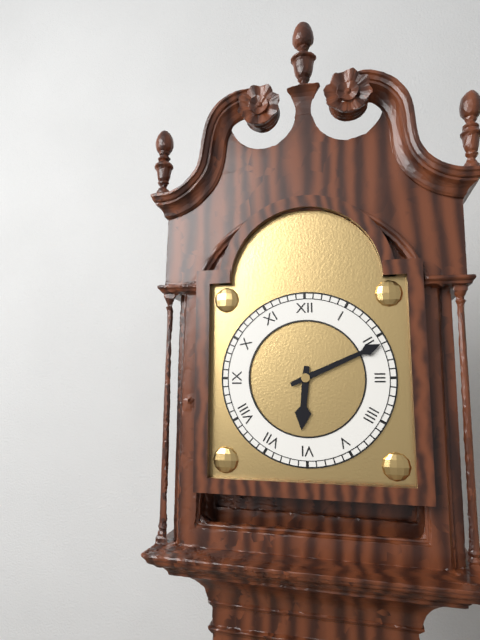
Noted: {"hour": 6, "minute": 11}
